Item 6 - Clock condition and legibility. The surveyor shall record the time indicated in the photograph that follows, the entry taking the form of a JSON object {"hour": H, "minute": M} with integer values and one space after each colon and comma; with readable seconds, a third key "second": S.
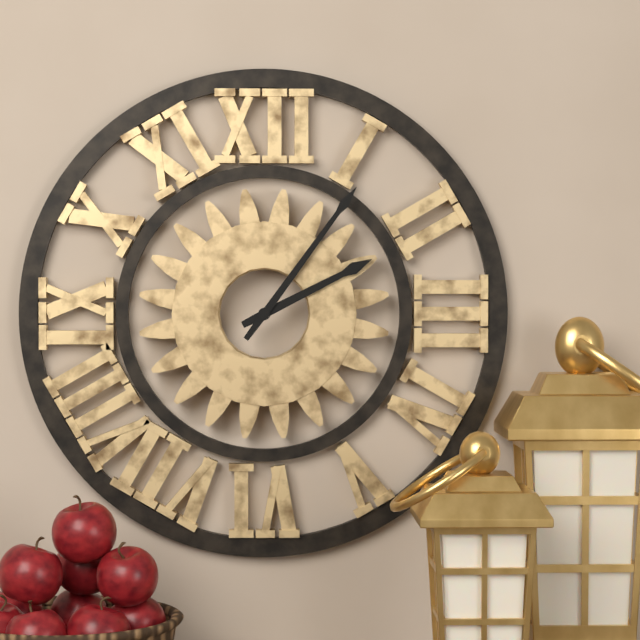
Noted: {"hour": 2, "minute": 6}
